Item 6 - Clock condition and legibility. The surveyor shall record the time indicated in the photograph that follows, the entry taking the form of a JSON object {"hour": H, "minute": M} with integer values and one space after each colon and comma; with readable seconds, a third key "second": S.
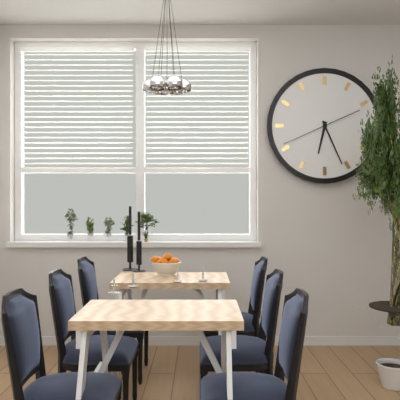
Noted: {"hour": 6, "minute": 26, "second": 41}
